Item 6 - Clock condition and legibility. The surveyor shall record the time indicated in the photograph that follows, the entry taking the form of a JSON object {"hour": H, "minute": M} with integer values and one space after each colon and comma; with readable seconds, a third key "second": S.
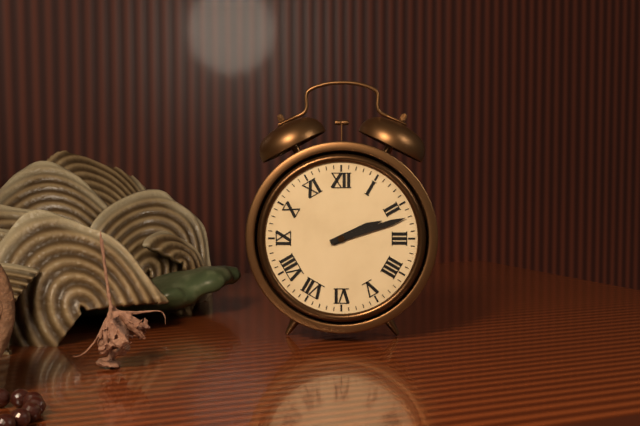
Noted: {"hour": 2, "minute": 12}
